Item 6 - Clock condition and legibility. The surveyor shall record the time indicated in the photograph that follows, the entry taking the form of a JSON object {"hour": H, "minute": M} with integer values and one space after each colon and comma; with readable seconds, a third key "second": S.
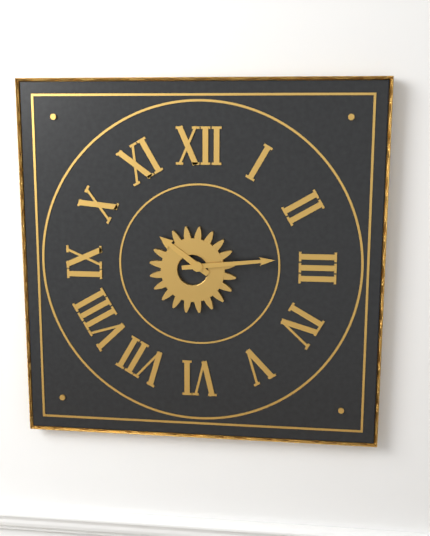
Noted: {"hour": 10, "minute": 14}
